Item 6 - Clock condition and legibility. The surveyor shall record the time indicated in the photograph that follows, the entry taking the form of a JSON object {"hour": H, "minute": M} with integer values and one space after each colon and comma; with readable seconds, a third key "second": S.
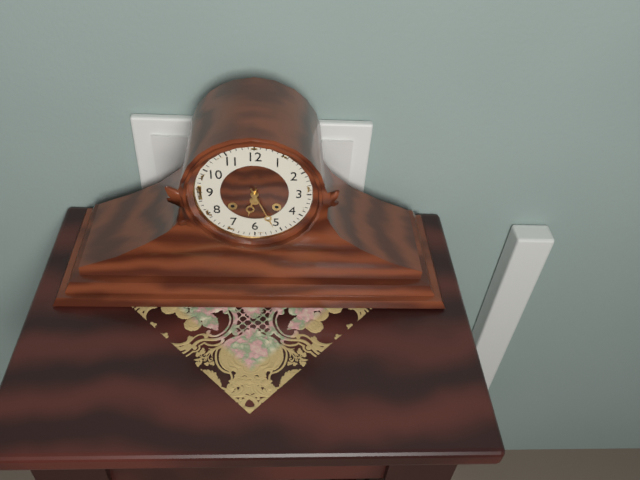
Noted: {"hour": 6, "minute": 26}
